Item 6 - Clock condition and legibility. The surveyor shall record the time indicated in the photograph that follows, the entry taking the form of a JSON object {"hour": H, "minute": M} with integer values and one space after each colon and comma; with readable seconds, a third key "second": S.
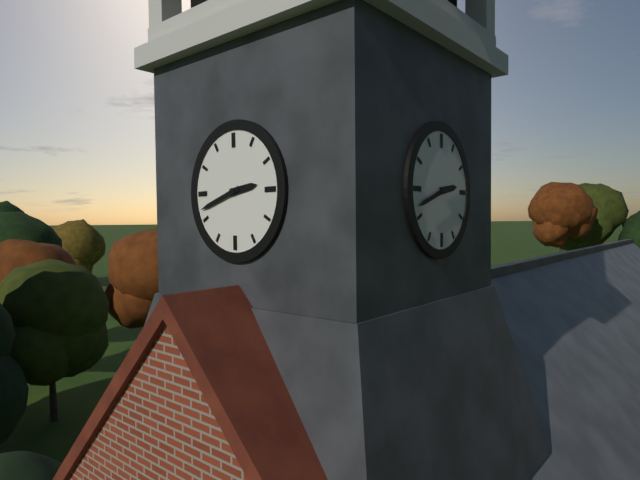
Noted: {"hour": 2, "minute": 42}
